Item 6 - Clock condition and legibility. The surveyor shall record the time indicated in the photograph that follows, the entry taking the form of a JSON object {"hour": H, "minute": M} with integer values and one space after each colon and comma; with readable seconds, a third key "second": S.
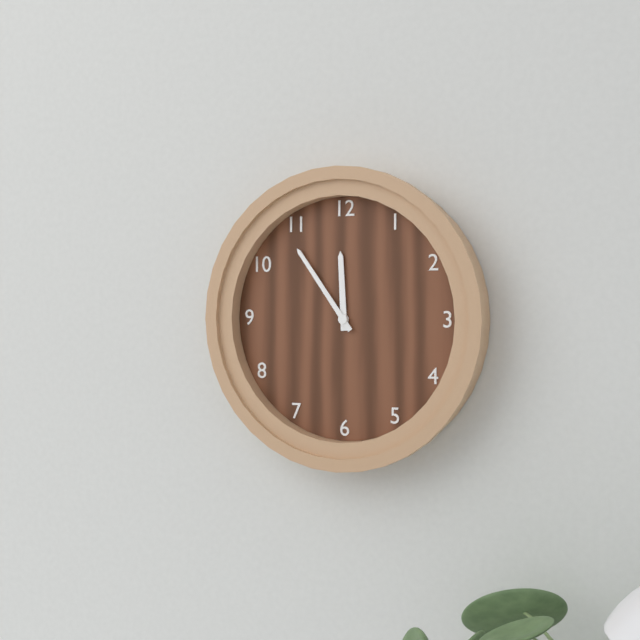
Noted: {"hour": 11, "minute": 54}
